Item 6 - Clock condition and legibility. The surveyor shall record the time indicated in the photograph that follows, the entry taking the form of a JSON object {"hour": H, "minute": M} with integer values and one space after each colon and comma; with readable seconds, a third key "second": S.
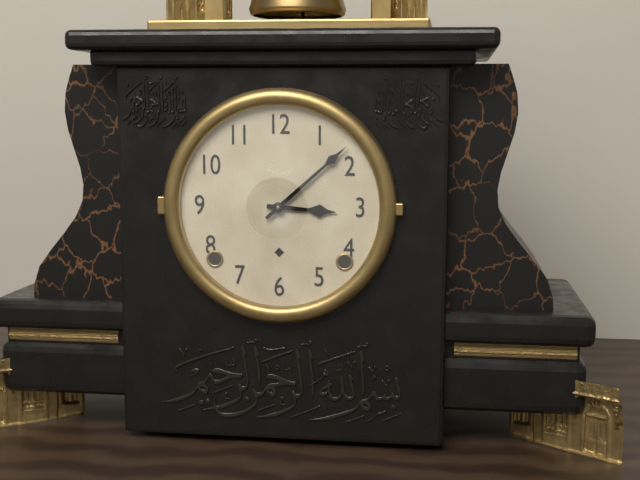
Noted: {"hour": 3, "minute": 8}
